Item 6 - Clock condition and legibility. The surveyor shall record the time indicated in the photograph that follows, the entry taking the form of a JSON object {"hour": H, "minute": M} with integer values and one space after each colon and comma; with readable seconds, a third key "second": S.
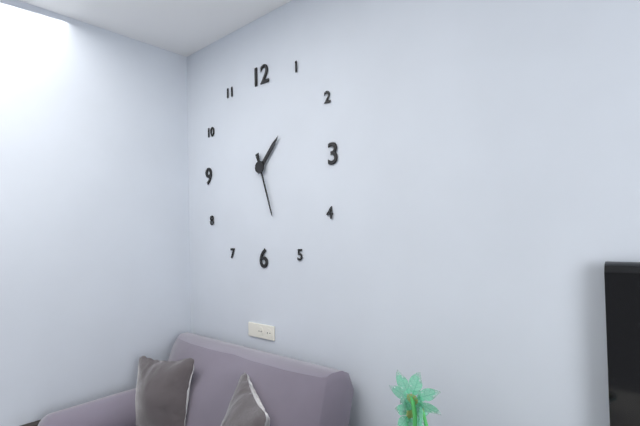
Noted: {"hour": 1, "minute": 27}
